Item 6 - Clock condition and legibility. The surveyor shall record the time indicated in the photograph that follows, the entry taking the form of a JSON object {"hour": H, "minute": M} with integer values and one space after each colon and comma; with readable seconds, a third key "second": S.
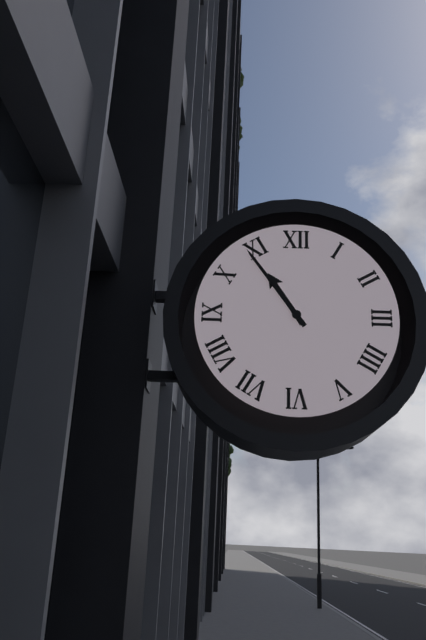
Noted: {"hour": 10, "minute": 54}
